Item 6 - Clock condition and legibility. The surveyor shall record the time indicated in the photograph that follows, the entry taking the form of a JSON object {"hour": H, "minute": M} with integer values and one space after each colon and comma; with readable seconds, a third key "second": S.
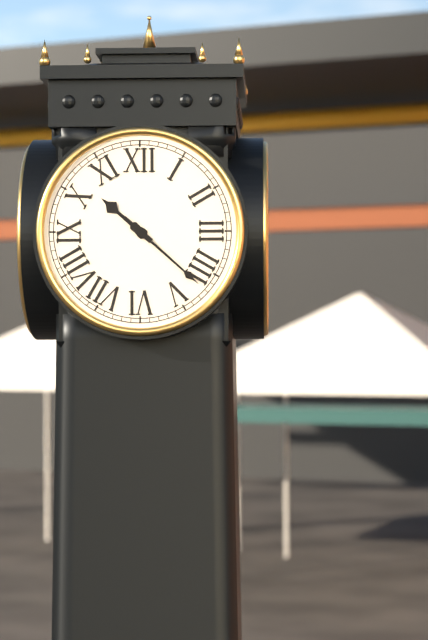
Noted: {"hour": 10, "minute": 22}
